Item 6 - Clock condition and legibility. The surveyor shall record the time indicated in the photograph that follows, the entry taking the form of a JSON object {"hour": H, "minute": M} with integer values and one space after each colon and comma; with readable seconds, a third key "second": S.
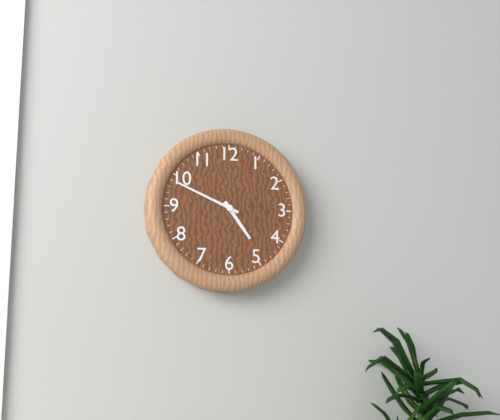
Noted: {"hour": 4, "minute": 49}
